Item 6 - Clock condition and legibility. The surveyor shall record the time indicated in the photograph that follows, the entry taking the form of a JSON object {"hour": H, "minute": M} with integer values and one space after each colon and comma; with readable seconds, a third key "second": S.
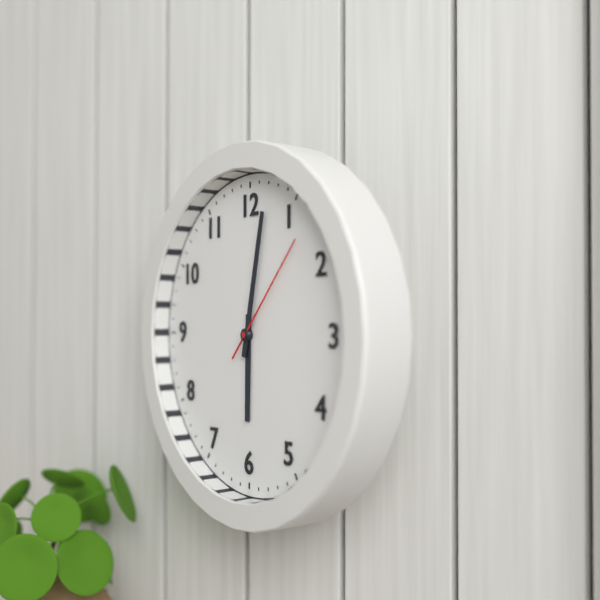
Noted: {"hour": 6, "minute": 2, "second": 7}
